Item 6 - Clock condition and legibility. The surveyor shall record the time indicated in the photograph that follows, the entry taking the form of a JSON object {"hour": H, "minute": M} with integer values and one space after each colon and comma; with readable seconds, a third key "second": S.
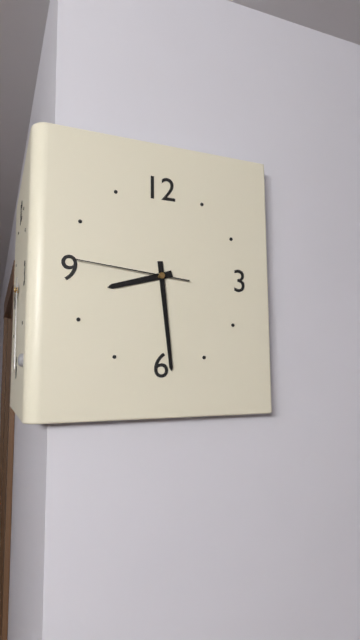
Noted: {"hour": 8, "minute": 29, "second": 46}
